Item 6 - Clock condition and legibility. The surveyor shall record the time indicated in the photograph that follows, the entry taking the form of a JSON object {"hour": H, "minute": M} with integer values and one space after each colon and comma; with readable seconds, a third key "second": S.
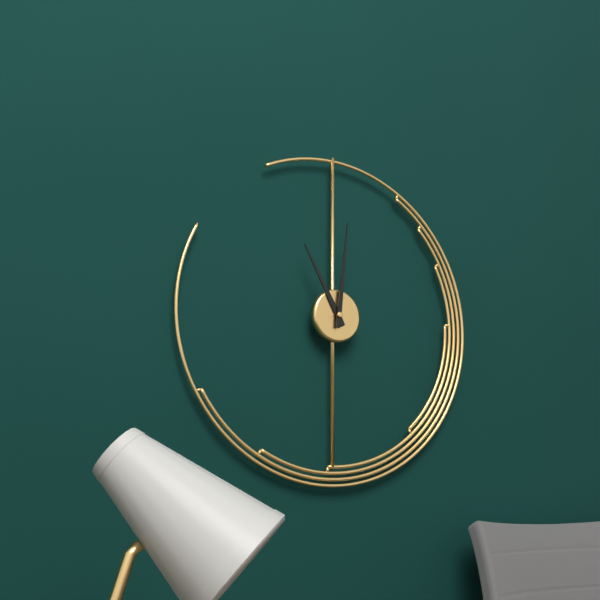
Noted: {"hour": 11, "minute": 1}
